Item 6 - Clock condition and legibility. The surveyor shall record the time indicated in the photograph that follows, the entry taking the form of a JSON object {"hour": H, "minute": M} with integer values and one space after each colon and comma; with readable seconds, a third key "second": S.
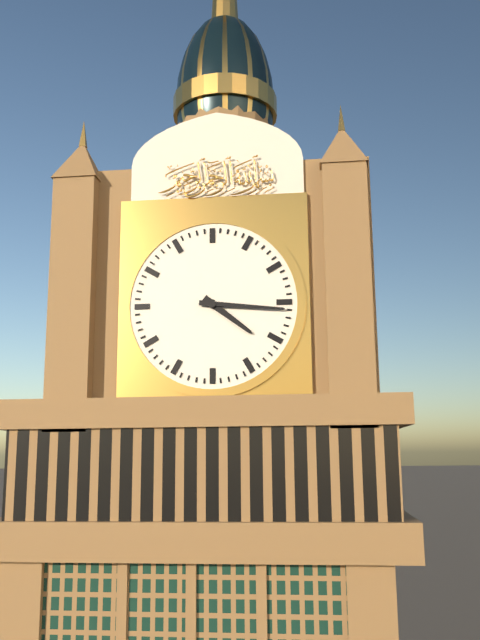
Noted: {"hour": 4, "minute": 16}
